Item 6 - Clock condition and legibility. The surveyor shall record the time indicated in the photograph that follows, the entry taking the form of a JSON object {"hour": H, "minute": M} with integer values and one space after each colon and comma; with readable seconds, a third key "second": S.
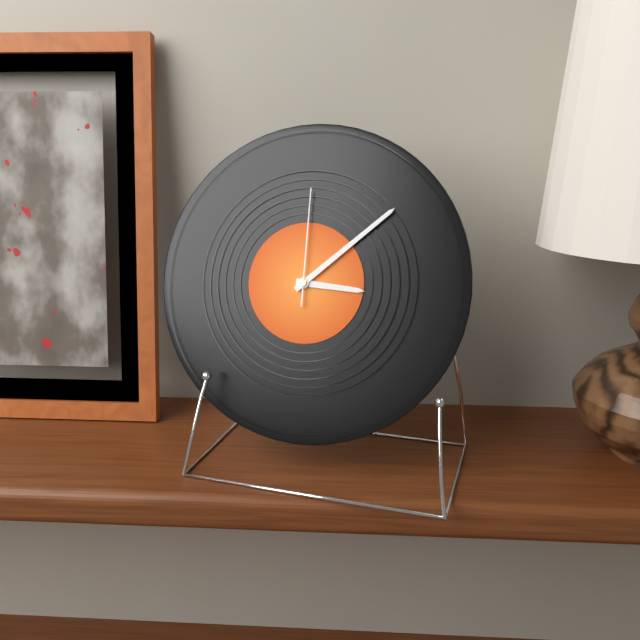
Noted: {"hour": 3, "minute": 8, "second": 0}
